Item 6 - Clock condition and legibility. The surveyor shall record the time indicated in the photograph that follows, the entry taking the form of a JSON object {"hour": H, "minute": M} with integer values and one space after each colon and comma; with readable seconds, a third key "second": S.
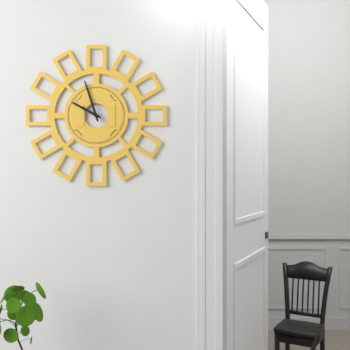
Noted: {"hour": 9, "minute": 57}
